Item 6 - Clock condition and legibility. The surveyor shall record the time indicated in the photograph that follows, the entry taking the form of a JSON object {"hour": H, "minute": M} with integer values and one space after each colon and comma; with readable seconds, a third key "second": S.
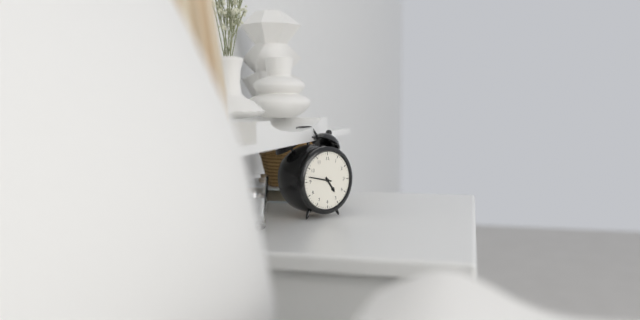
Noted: {"hour": 4, "minute": 47}
